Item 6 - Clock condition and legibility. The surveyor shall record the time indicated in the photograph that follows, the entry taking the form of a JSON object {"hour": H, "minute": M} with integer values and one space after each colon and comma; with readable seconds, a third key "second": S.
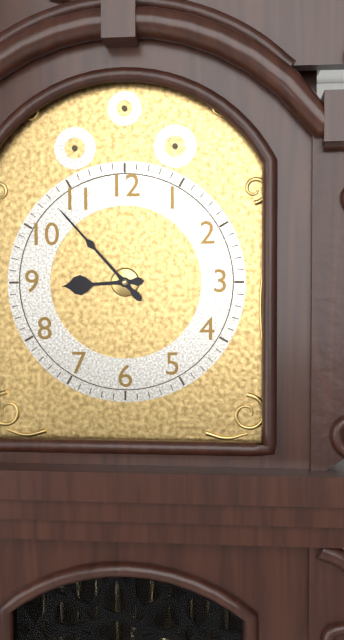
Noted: {"hour": 8, "minute": 53}
